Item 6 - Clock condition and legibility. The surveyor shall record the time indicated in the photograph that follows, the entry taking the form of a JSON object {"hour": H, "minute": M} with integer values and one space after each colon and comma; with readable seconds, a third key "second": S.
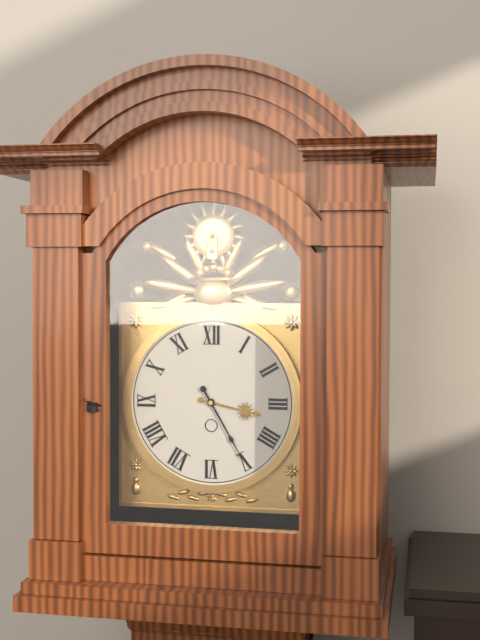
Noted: {"hour": 3, "minute": 25}
